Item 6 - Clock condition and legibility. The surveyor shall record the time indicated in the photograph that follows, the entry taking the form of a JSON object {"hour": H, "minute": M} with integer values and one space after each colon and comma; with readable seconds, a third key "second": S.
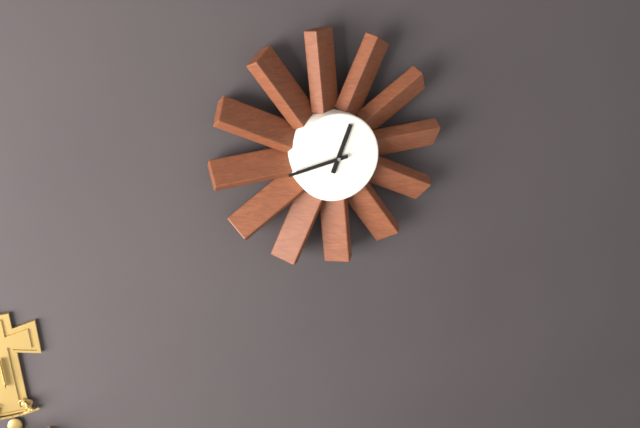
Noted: {"hour": 12, "minute": 43}
